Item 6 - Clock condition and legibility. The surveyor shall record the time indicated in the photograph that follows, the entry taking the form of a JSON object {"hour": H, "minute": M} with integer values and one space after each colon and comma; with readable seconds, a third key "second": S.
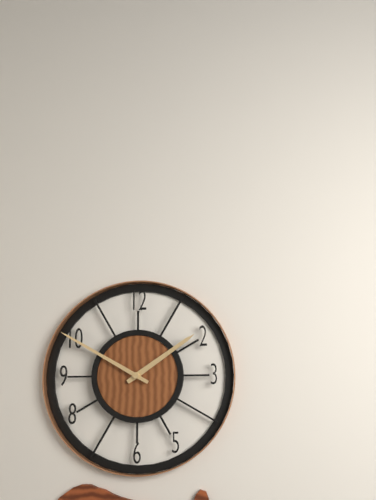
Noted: {"hour": 1, "minute": 50}
